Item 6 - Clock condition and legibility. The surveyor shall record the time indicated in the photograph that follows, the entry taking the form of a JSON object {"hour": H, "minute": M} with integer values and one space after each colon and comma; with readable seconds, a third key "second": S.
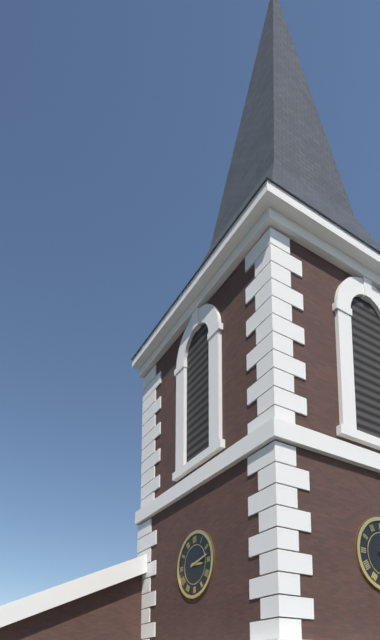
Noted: {"hour": 3, "minute": 13}
